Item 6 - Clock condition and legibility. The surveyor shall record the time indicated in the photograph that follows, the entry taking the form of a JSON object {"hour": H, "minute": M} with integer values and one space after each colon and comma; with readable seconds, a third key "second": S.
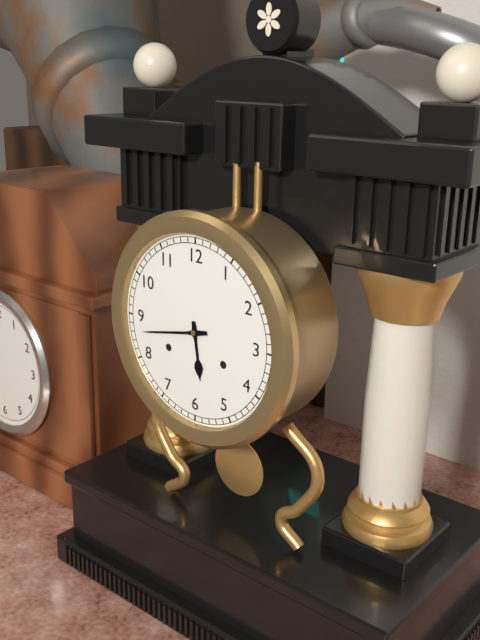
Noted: {"hour": 5, "minute": 43}
